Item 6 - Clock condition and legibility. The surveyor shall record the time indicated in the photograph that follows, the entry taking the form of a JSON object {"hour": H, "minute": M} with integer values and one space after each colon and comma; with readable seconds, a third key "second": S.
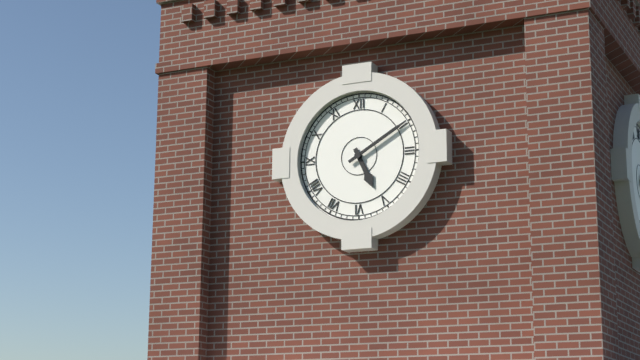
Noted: {"hour": 5, "minute": 10}
